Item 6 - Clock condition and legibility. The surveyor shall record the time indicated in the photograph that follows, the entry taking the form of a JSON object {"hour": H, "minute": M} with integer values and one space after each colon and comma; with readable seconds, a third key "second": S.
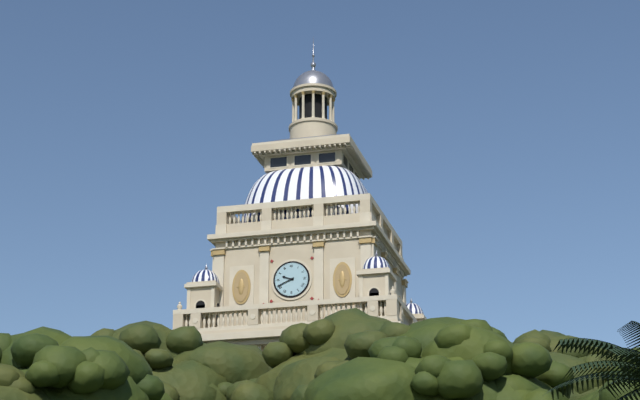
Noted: {"hour": 9, "minute": 41}
